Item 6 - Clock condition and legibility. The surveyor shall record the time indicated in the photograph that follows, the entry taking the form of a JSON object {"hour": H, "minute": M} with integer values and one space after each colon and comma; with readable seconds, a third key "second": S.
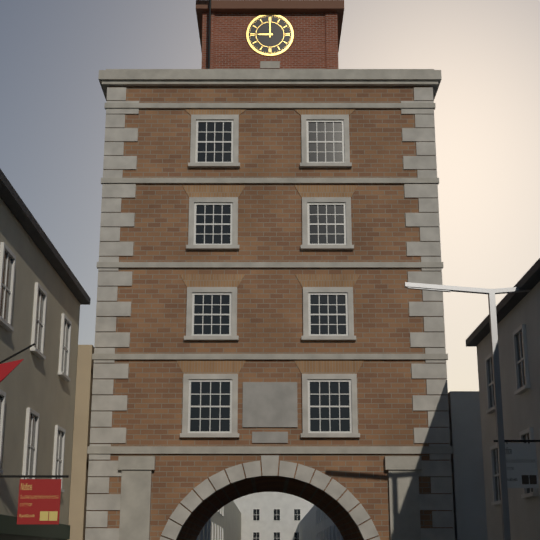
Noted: {"hour": 9, "minute": 0}
